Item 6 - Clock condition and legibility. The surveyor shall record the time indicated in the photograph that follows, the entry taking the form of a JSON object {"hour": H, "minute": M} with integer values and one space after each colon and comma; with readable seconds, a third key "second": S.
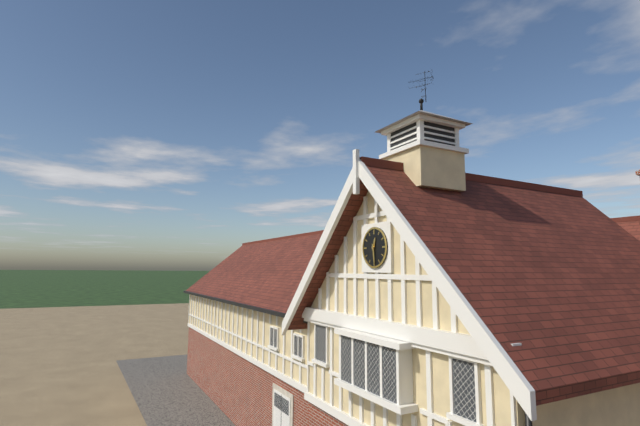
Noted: {"hour": 12, "minute": 29}
